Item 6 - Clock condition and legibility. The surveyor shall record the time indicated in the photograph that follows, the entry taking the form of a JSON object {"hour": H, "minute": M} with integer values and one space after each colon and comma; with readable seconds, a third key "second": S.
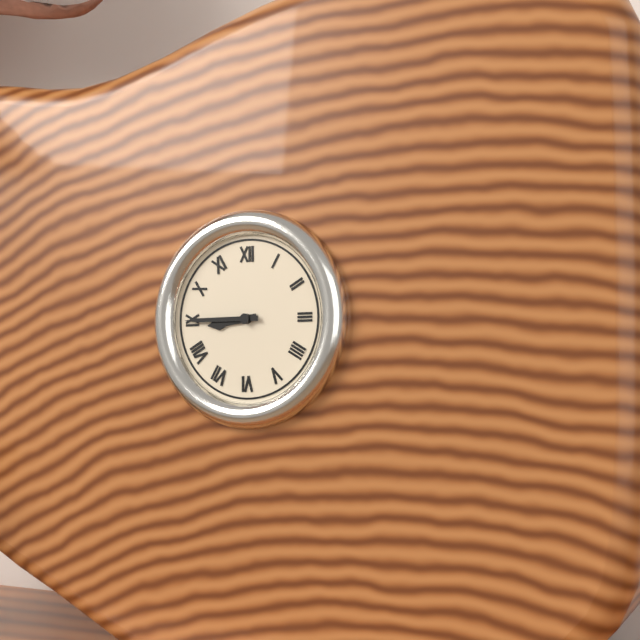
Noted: {"hour": 8, "minute": 45}
